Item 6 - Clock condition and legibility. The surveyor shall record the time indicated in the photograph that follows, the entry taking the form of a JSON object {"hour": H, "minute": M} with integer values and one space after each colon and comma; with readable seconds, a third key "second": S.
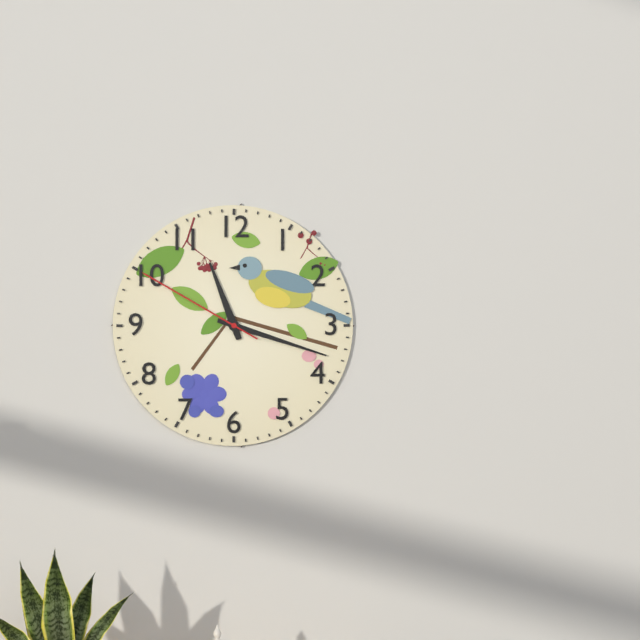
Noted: {"hour": 11, "minute": 18, "second": 50}
